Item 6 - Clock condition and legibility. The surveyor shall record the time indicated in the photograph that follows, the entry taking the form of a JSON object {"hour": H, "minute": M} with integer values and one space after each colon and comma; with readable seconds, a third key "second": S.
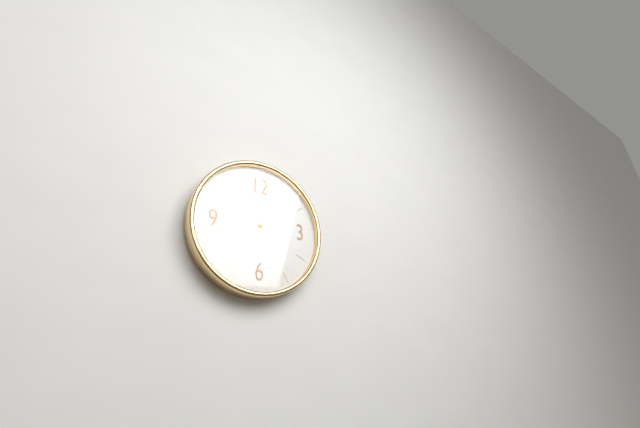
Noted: {"hour": 8, "minute": 2}
